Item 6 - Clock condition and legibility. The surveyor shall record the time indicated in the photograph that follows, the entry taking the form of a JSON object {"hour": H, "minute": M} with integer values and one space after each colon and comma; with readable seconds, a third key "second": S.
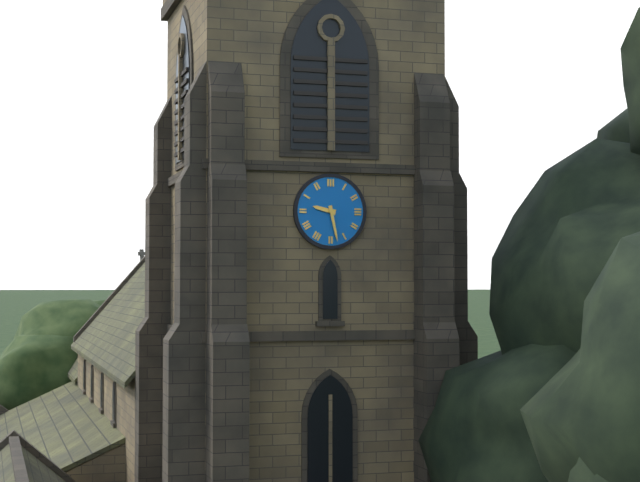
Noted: {"hour": 9, "minute": 28}
